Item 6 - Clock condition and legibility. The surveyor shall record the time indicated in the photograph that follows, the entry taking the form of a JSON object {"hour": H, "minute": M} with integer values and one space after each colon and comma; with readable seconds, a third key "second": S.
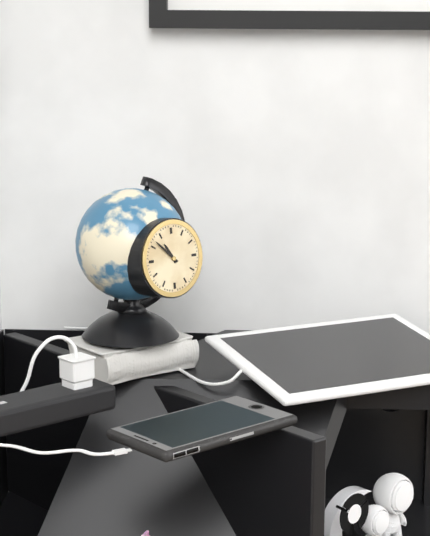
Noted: {"hour": 10, "minute": 52}
